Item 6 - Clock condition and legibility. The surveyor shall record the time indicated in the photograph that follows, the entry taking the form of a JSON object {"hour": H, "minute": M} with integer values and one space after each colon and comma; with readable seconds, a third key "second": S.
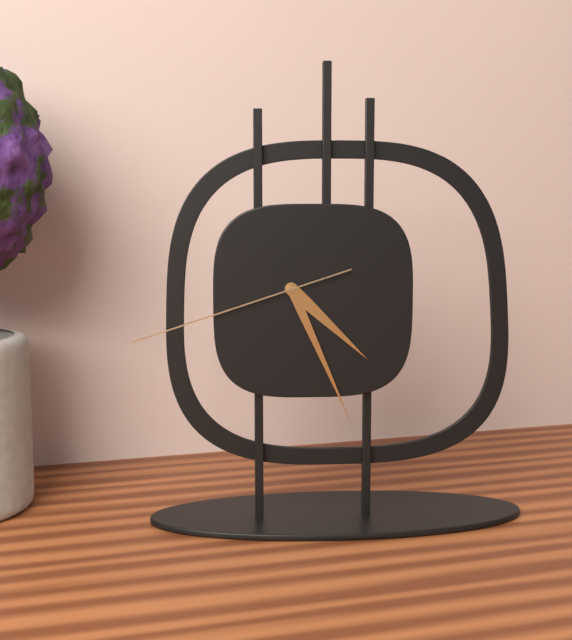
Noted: {"hour": 4, "minute": 26, "second": 42}
